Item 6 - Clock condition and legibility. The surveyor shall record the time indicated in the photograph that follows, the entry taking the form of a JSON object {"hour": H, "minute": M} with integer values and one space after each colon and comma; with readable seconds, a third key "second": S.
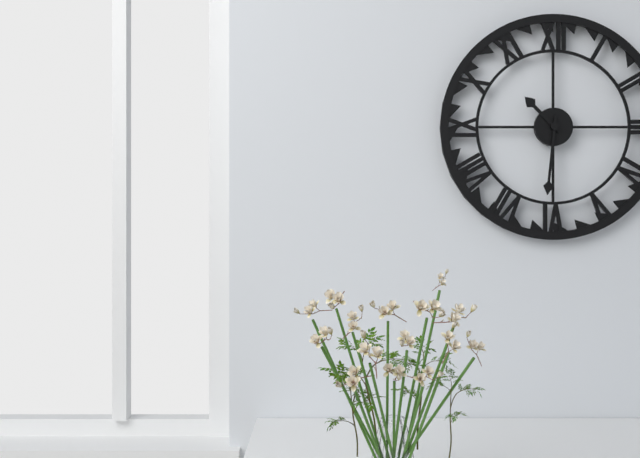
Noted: {"hour": 10, "minute": 31}
